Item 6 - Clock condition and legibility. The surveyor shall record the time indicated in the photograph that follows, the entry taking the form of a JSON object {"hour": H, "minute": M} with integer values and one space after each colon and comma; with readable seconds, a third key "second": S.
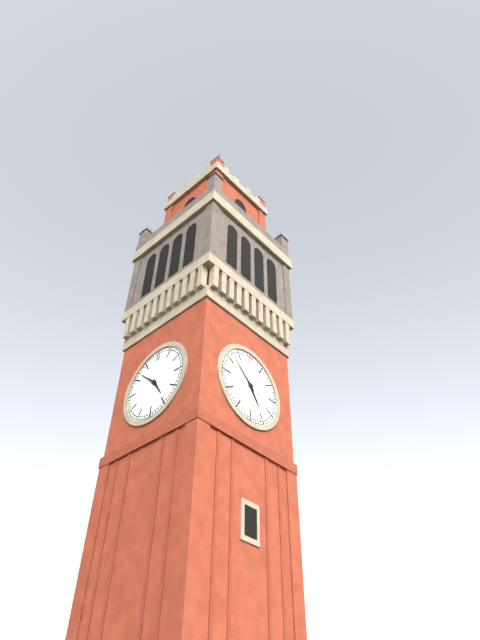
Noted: {"hour": 4, "minute": 52}
